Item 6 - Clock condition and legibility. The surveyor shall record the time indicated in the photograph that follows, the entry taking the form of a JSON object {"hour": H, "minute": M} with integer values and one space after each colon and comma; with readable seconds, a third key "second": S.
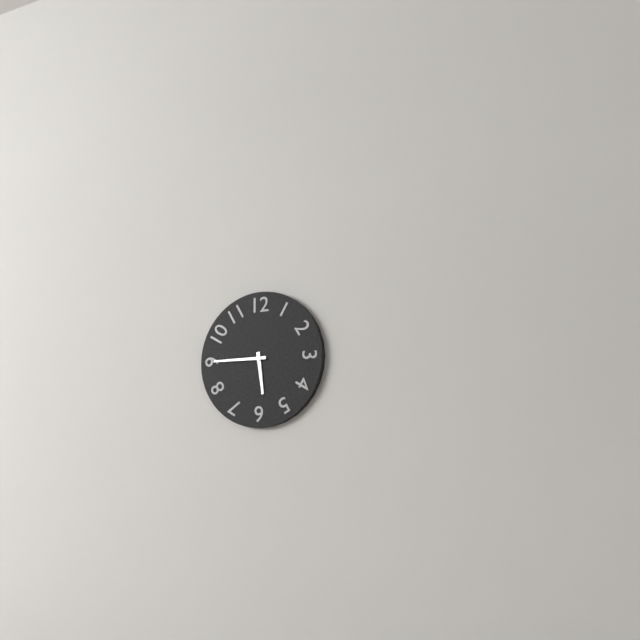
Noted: {"hour": 5, "minute": 45}
